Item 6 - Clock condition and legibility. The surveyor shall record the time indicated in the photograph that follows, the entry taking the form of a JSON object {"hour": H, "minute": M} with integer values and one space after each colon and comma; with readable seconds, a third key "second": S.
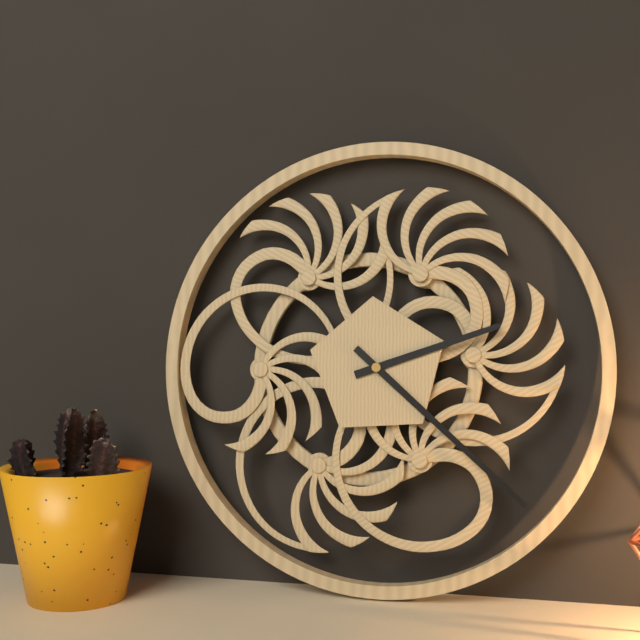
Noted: {"hour": 2, "minute": 22}
